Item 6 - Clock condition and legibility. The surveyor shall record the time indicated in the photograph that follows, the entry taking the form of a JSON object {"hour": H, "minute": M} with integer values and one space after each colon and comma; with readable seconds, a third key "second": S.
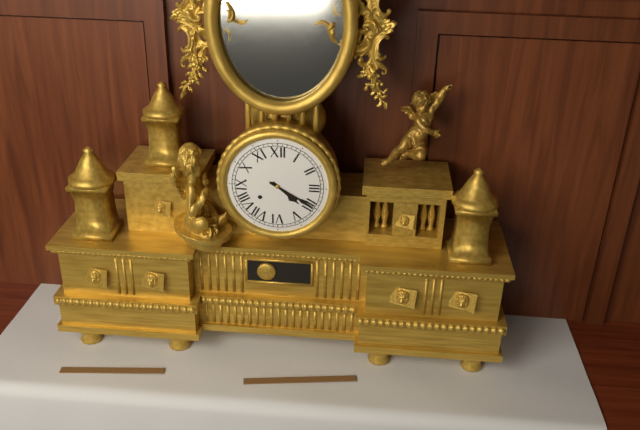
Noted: {"hour": 4, "minute": 20}
